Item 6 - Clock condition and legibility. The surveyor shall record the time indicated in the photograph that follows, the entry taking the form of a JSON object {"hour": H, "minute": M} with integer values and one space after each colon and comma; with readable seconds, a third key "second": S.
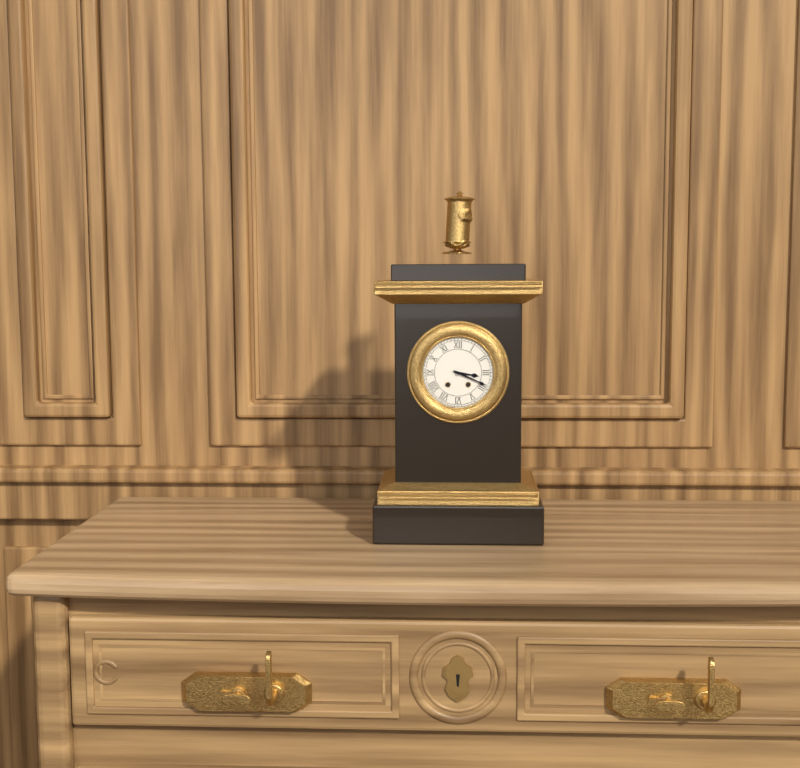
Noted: {"hour": 3, "minute": 19}
